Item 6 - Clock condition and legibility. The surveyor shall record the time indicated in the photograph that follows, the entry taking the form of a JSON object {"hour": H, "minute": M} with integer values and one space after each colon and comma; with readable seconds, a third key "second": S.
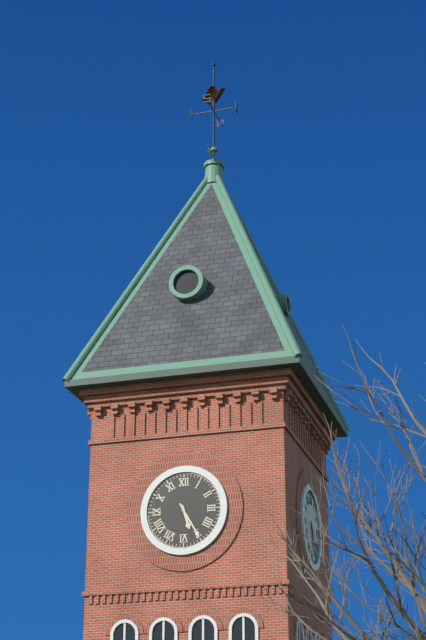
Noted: {"hour": 5, "minute": 25}
